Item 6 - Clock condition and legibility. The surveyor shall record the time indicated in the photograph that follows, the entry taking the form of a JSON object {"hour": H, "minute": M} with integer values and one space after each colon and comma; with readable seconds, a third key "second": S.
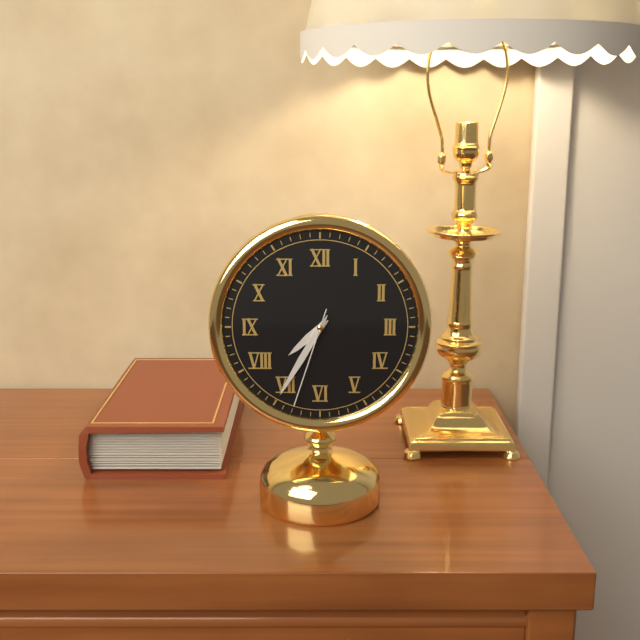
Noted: {"hour": 7, "minute": 35, "second": 33}
